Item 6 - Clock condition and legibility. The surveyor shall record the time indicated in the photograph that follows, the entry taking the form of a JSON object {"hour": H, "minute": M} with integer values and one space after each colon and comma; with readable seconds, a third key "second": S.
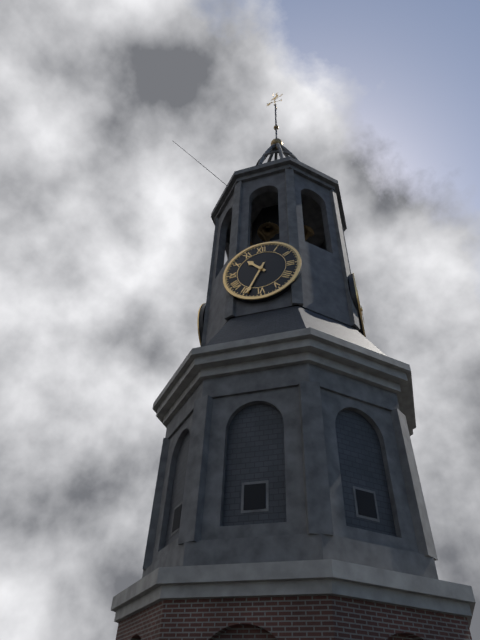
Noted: {"hour": 10, "minute": 34}
